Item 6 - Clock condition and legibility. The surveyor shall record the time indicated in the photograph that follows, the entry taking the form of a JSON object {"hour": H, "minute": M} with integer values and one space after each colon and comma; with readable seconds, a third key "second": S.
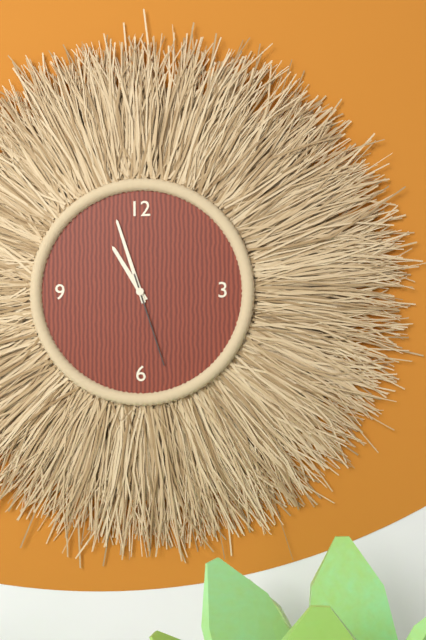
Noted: {"hour": 10, "minute": 57, "second": 27}
